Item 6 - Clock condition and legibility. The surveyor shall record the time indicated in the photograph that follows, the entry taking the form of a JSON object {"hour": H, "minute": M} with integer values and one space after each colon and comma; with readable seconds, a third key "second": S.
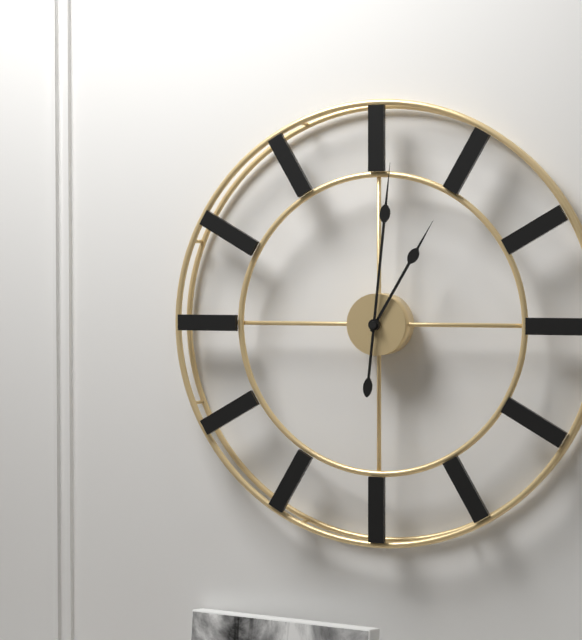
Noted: {"hour": 1, "minute": 1}
